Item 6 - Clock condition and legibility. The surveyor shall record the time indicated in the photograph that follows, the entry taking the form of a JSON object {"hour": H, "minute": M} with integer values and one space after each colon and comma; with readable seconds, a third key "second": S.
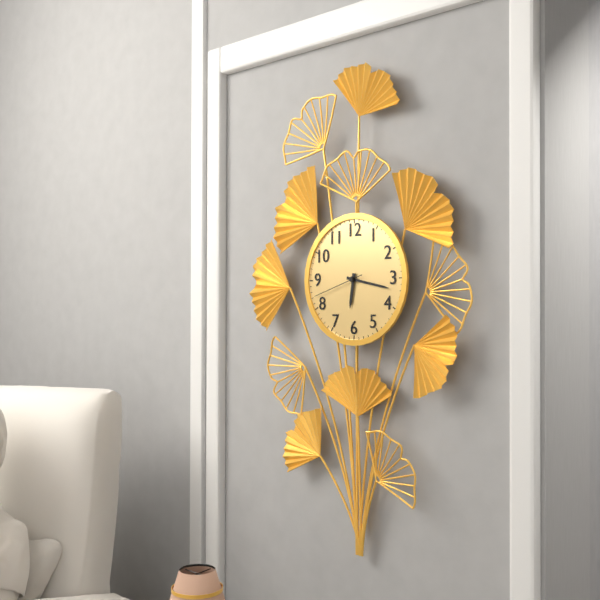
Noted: {"hour": 6, "minute": 17, "second": 42}
